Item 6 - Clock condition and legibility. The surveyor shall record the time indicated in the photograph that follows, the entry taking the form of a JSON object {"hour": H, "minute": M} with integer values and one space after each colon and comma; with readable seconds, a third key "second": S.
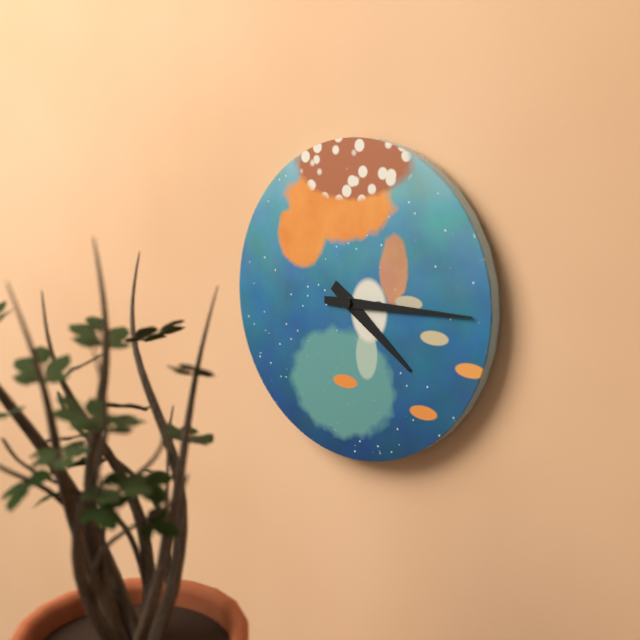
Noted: {"hour": 4, "minute": 15}
